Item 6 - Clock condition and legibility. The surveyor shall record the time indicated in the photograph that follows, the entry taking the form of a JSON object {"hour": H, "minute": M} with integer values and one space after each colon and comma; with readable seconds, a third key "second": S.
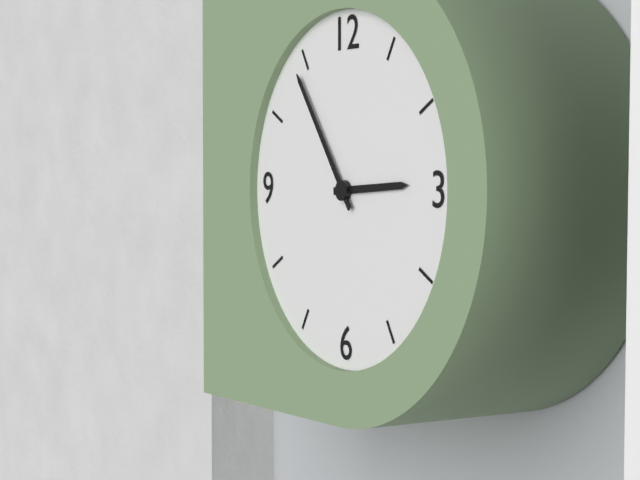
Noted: {"hour": 2, "minute": 54}
